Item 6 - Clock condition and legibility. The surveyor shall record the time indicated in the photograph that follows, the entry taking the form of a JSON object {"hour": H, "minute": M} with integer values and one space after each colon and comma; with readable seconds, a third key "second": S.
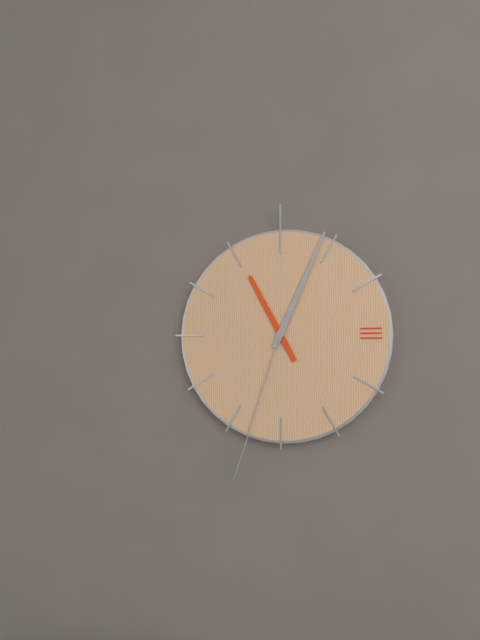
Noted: {"hour": 11, "minute": 4, "second": 33}
